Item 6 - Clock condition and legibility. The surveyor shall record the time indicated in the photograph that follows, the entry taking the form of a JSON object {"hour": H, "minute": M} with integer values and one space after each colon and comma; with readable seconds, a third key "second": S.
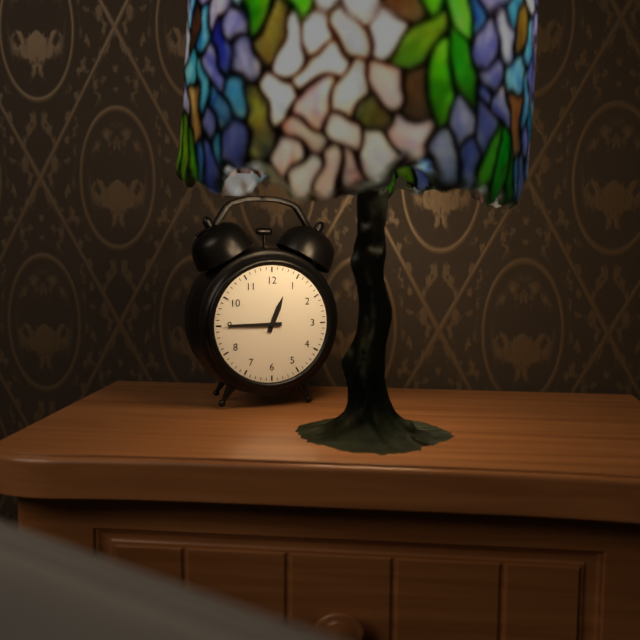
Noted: {"hour": 12, "minute": 45}
